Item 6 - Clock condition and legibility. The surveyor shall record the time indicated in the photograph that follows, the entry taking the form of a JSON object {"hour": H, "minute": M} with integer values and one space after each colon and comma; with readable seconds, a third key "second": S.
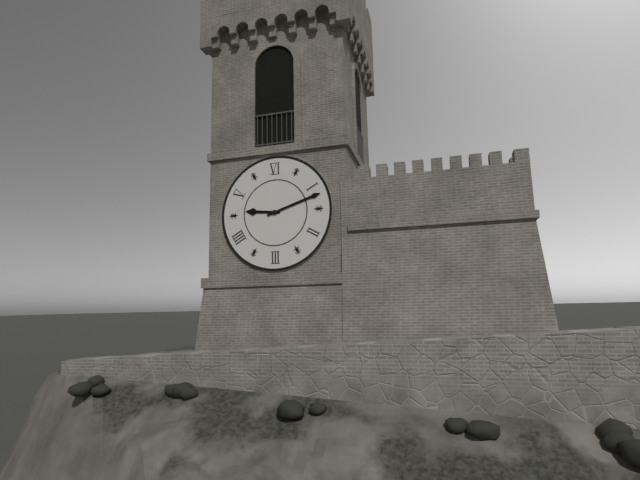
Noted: {"hour": 9, "minute": 12}
